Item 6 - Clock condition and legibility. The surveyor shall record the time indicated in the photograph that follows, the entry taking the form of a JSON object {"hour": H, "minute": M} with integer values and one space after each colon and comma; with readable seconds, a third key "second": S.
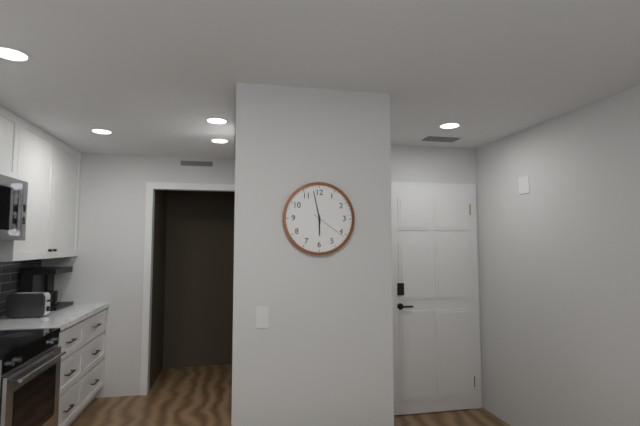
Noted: {"hour": 5, "minute": 58}
